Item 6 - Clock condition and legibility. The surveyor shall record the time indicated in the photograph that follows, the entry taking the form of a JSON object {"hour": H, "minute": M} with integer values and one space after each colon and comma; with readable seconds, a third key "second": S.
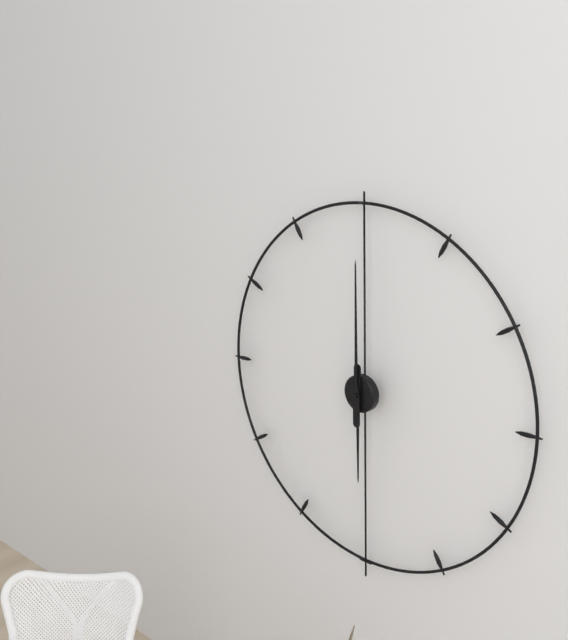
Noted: {"hour": 6, "minute": 0}
